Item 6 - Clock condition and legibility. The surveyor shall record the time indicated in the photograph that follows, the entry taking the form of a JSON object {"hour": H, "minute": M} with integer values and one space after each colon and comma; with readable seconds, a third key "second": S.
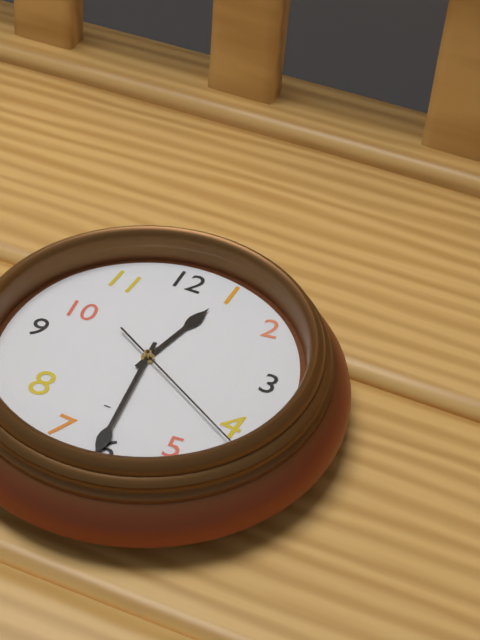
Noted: {"hour": 12, "minute": 29, "second": 20}
